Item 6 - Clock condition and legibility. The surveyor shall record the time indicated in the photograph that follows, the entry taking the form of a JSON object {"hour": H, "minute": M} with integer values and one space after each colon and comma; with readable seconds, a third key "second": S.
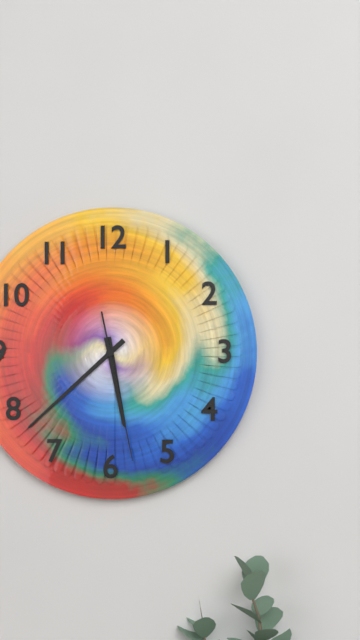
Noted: {"hour": 5, "minute": 38, "second": 28}
